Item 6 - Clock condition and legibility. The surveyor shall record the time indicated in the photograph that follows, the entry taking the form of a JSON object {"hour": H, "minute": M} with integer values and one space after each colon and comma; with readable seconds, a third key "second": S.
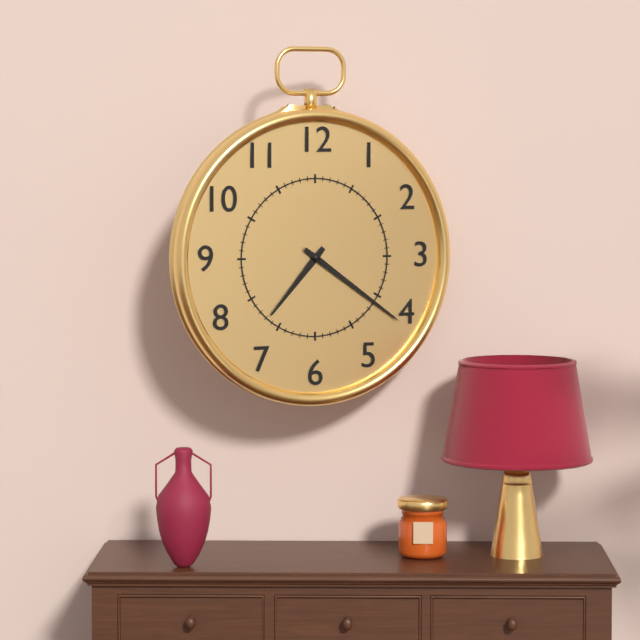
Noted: {"hour": 7, "minute": 21}
